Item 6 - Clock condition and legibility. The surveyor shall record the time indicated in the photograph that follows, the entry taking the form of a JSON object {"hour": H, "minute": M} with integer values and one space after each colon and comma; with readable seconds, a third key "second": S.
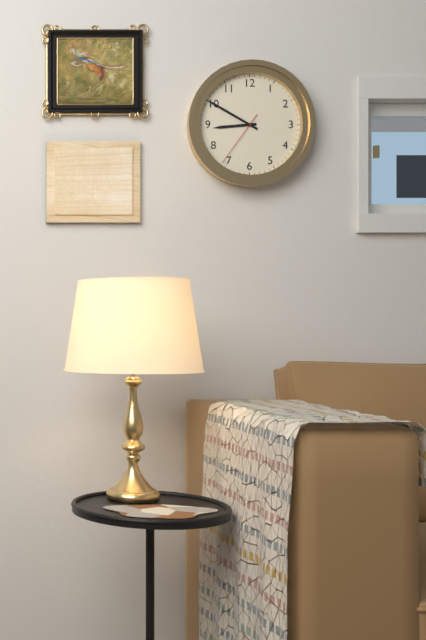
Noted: {"hour": 8, "minute": 50, "second": 36}
